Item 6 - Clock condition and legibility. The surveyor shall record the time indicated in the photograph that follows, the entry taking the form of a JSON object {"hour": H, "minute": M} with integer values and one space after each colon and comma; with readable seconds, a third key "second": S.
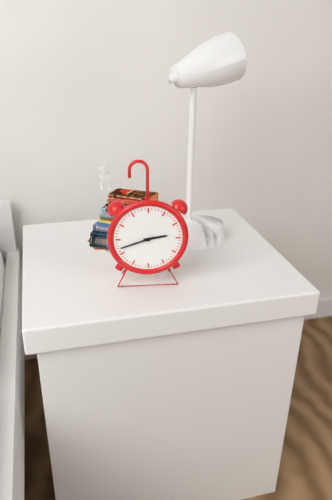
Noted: {"hour": 2, "minute": 42}
